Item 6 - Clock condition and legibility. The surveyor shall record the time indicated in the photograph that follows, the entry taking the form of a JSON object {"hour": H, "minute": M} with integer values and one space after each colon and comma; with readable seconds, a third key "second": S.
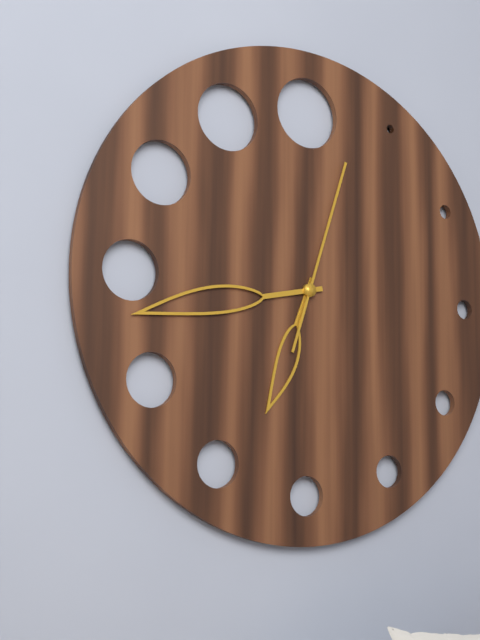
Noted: {"hour": 6, "minute": 43, "second": 3}
